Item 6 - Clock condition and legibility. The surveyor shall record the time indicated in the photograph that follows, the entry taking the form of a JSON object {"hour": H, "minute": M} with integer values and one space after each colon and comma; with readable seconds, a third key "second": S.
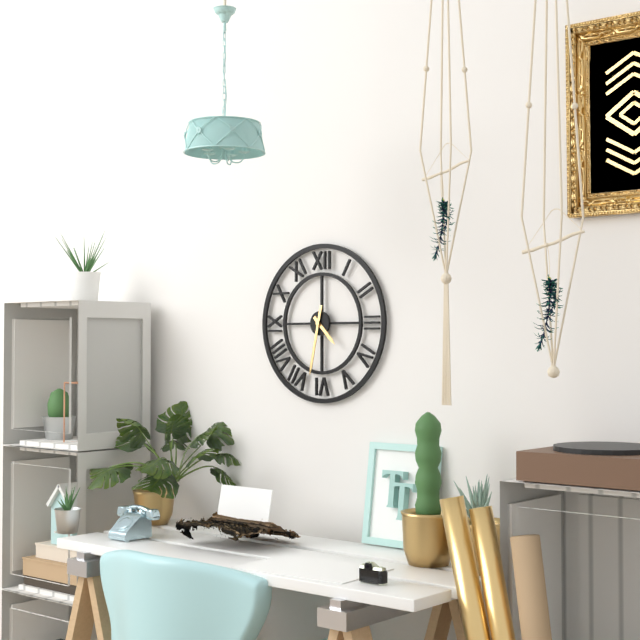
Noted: {"hour": 4, "minute": 32}
